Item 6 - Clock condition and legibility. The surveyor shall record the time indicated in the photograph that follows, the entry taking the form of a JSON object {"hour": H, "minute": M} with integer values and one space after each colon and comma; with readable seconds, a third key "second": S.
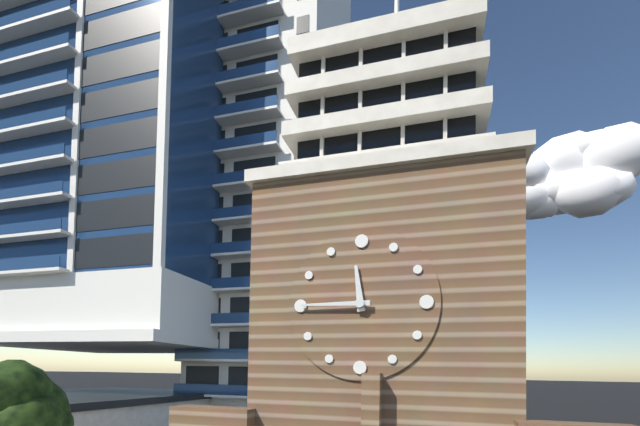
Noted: {"hour": 11, "minute": 45}
